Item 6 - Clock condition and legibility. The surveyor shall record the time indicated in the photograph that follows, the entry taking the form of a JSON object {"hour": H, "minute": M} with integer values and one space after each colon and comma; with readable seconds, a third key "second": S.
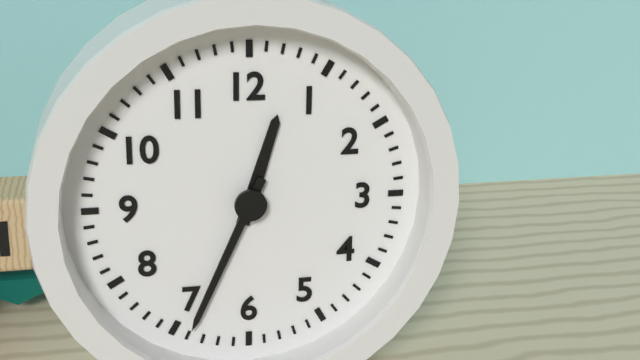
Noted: {"hour": 12, "minute": 34}
